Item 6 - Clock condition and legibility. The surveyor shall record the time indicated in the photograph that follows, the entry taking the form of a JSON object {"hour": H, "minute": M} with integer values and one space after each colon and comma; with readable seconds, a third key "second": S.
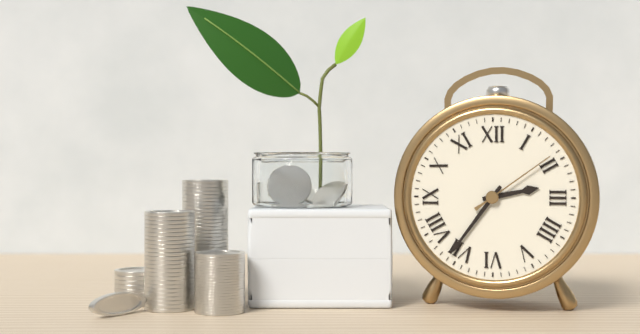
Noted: {"hour": 2, "minute": 36, "second": 9}
